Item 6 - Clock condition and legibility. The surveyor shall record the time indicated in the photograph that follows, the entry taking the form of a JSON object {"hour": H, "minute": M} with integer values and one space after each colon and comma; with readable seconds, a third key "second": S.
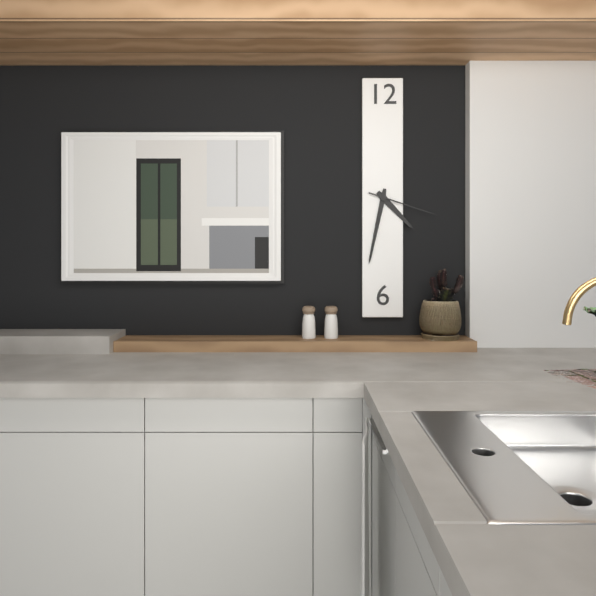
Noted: {"hour": 4, "minute": 32, "second": 18}
